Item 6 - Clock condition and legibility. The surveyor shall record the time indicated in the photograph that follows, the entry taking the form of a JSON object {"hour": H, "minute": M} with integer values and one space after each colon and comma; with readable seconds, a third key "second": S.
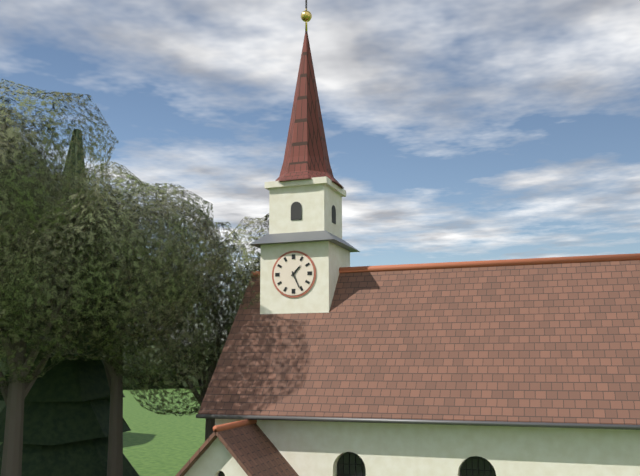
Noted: {"hour": 1, "minute": 26}
